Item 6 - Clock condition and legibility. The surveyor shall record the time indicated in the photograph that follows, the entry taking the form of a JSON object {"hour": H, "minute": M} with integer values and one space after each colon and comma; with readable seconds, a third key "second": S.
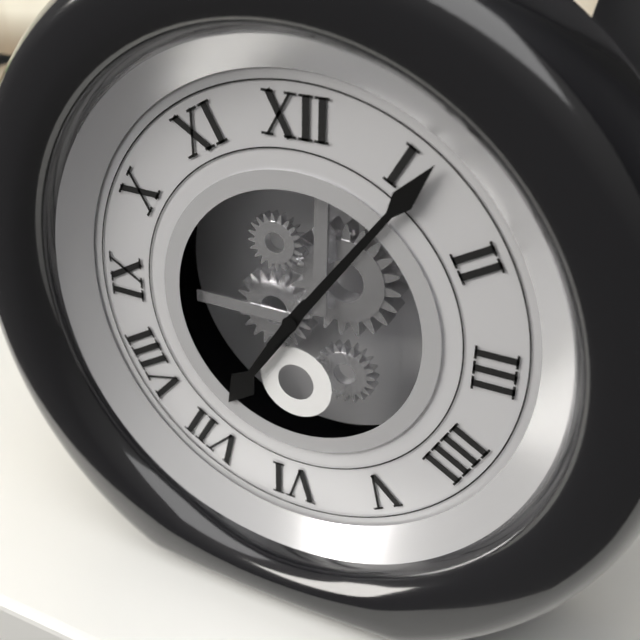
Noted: {"hour": 7, "minute": 6}
